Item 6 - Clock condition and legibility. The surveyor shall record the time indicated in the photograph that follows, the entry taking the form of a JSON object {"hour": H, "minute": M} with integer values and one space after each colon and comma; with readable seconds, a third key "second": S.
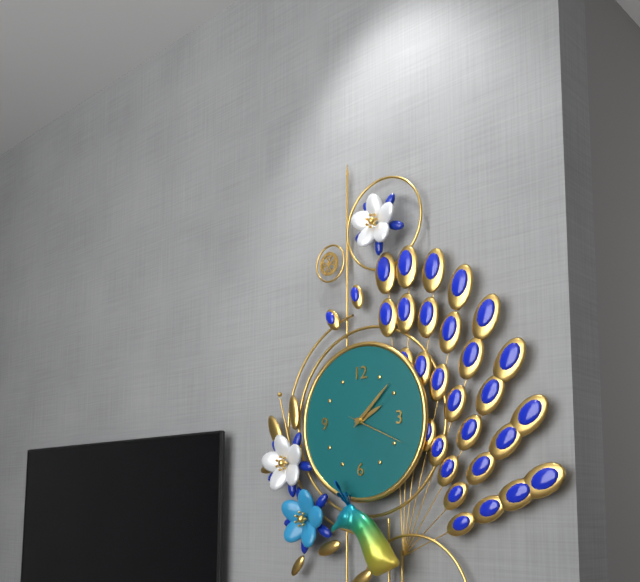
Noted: {"hour": 2, "minute": 8, "second": 19}
